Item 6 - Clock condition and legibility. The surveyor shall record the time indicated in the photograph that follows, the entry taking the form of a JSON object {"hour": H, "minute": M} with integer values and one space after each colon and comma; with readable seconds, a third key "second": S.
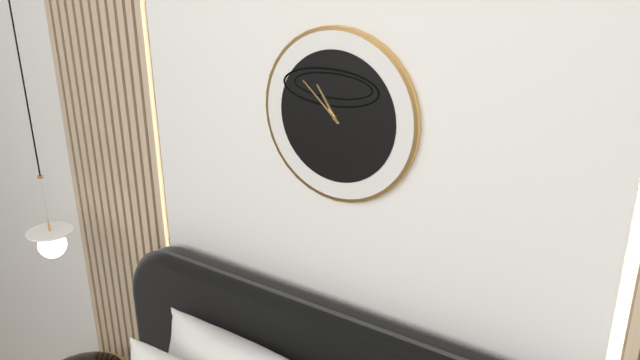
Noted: {"hour": 10, "minute": 52}
